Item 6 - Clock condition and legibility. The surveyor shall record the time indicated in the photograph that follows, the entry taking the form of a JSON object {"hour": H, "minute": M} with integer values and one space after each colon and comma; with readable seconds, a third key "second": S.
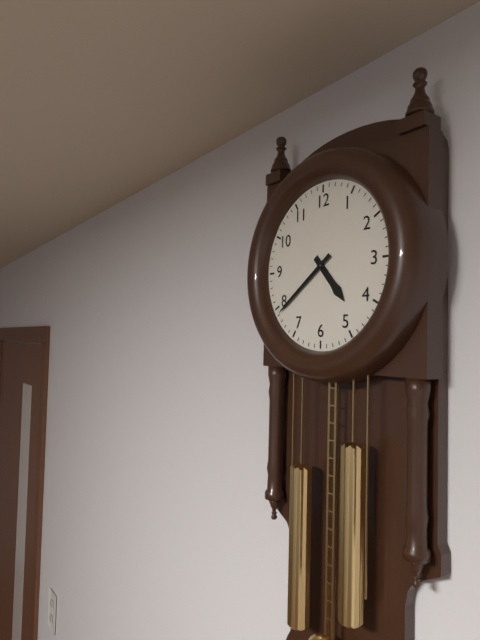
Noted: {"hour": 4, "minute": 39}
